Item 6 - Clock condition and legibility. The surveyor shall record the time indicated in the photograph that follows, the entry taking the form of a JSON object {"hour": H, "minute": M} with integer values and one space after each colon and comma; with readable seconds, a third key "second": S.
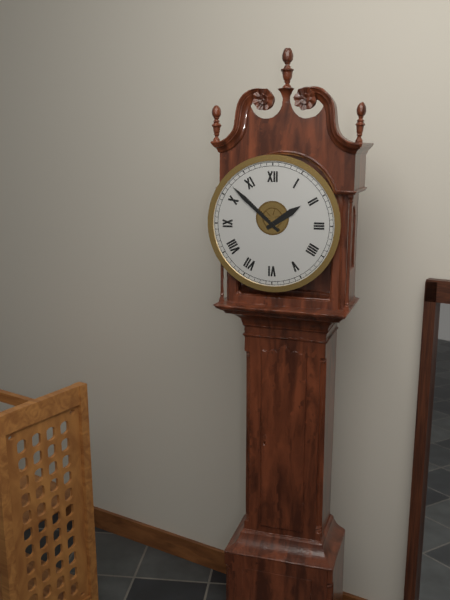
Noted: {"hour": 1, "minute": 52}
